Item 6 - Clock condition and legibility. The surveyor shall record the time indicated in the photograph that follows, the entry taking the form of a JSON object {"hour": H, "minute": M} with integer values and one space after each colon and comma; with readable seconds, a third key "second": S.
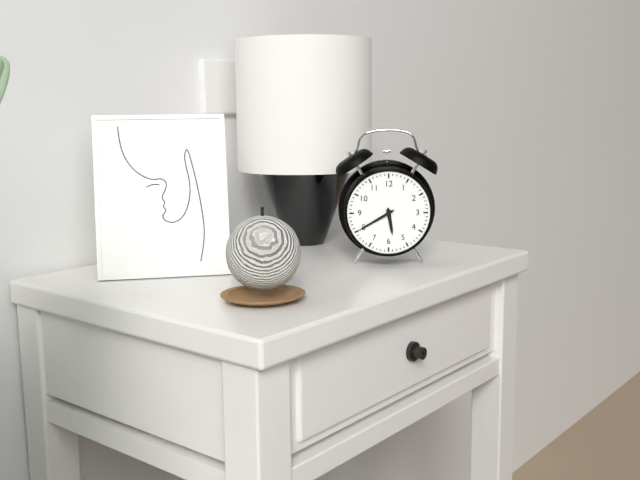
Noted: {"hour": 5, "minute": 40}
